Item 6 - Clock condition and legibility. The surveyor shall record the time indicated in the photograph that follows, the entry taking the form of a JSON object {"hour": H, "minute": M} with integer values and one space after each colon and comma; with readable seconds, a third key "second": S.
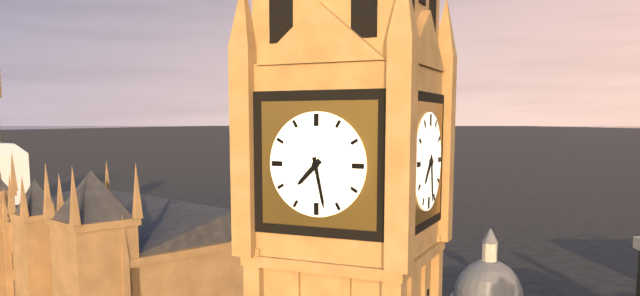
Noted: {"hour": 7, "minute": 28}
